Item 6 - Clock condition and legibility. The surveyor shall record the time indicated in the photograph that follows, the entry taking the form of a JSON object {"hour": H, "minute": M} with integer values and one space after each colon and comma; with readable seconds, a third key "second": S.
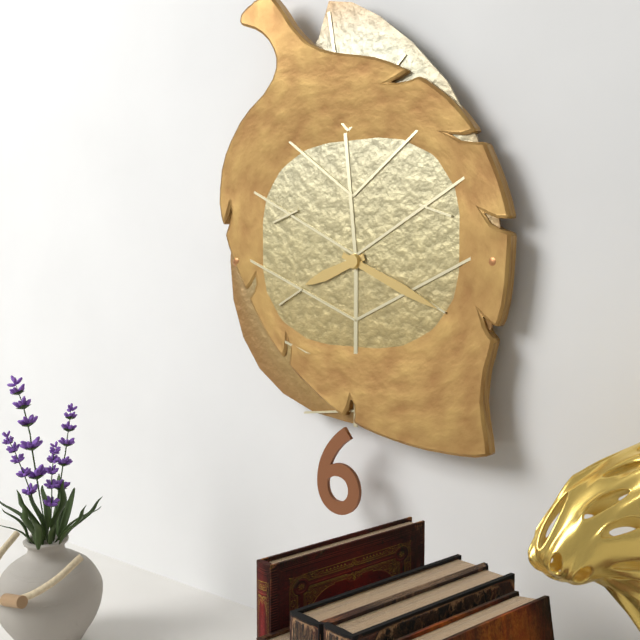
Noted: {"hour": 8, "minute": 19}
